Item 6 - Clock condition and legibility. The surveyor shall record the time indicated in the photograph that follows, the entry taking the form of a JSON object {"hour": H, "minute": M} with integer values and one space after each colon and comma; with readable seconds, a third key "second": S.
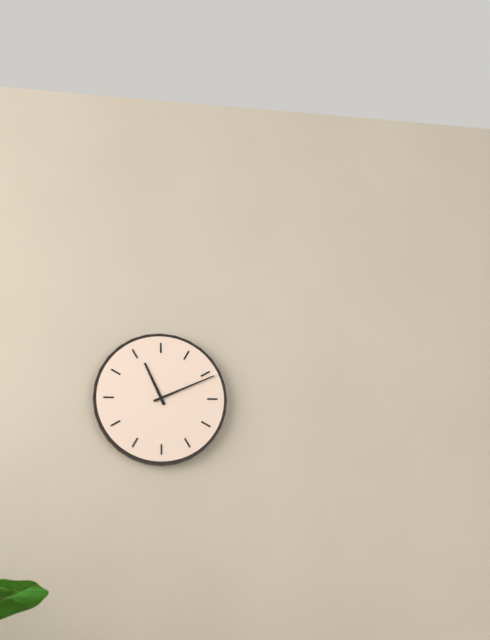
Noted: {"hour": 11, "minute": 11}
